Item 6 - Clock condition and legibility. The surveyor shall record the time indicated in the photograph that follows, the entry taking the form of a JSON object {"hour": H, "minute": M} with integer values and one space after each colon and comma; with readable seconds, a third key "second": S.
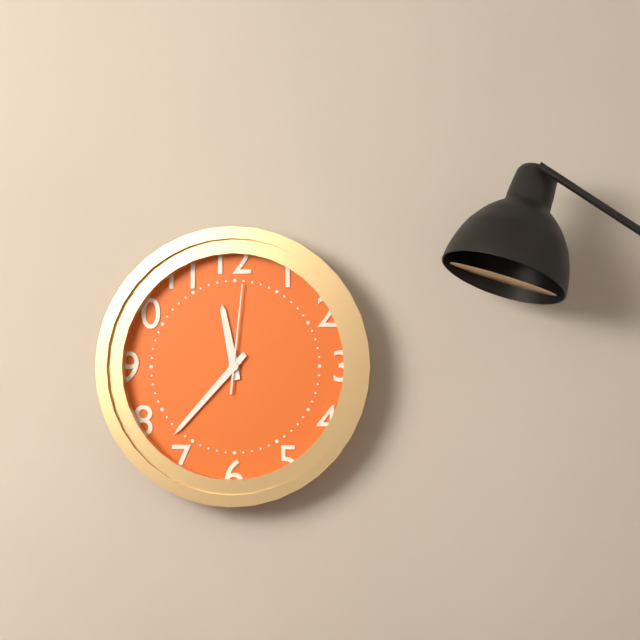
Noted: {"hour": 11, "minute": 37, "second": 1}
